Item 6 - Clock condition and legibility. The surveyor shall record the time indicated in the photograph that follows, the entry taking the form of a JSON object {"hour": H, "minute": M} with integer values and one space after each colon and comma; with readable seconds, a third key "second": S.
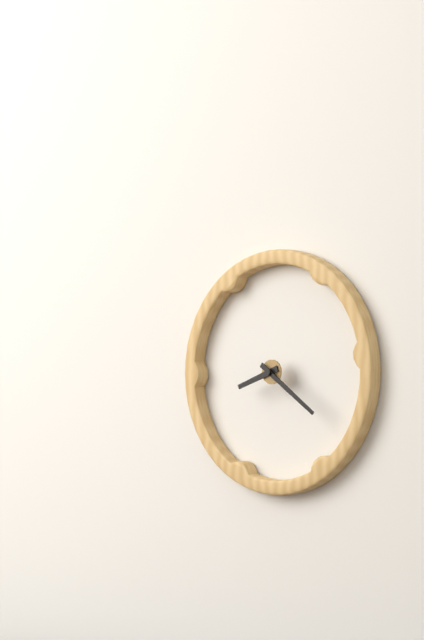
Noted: {"hour": 8, "minute": 21}
